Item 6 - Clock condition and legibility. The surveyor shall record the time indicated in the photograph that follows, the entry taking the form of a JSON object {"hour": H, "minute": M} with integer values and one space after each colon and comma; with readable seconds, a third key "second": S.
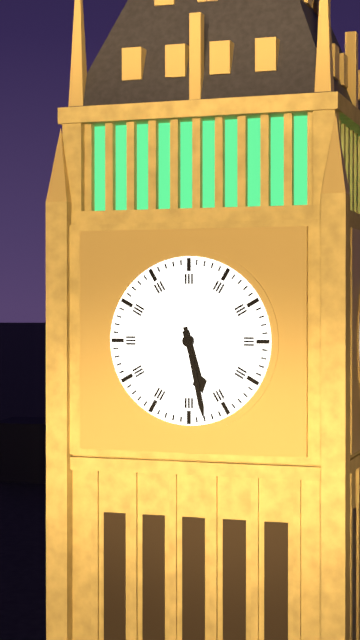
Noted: {"hour": 5, "minute": 28}
